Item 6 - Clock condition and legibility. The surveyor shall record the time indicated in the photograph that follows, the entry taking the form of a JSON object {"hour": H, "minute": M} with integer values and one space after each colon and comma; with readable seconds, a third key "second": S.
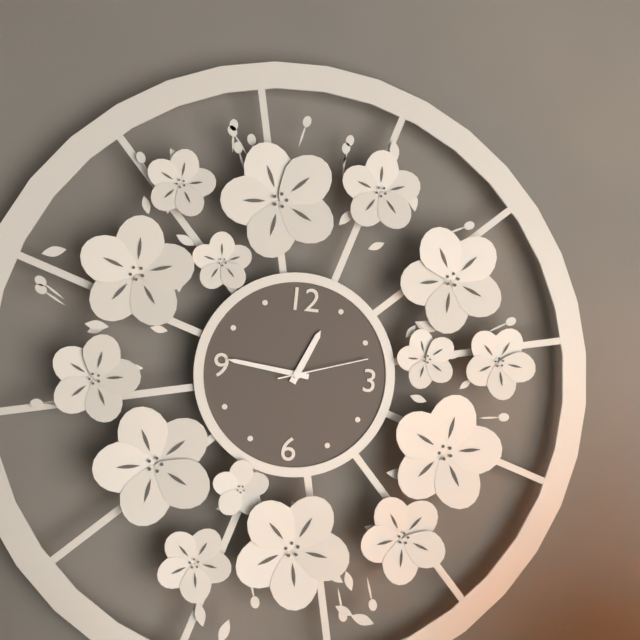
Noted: {"hour": 12, "minute": 46, "second": 12}
